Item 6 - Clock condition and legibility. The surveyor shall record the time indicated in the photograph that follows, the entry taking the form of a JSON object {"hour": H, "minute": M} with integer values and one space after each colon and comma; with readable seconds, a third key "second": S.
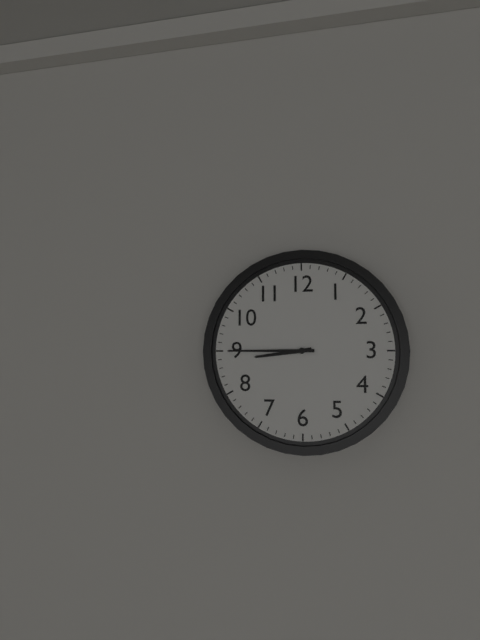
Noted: {"hour": 8, "minute": 45}
